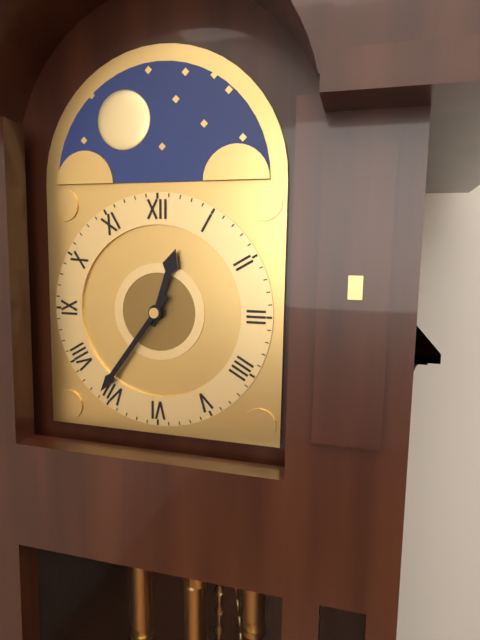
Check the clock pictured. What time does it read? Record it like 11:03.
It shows 12:36
